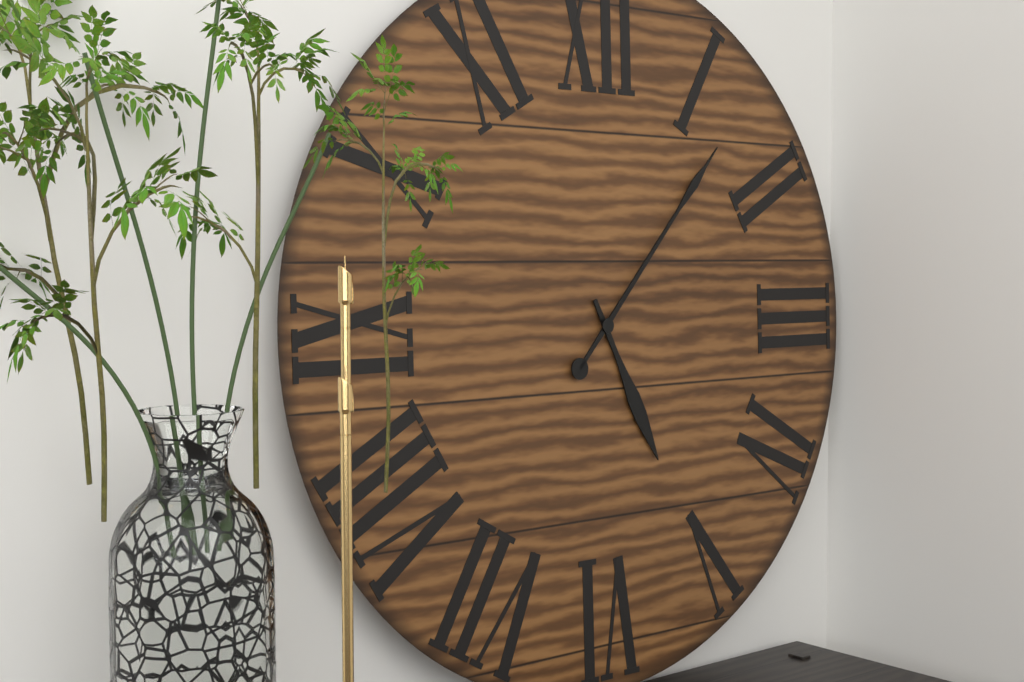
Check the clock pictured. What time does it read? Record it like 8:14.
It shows 5:07
